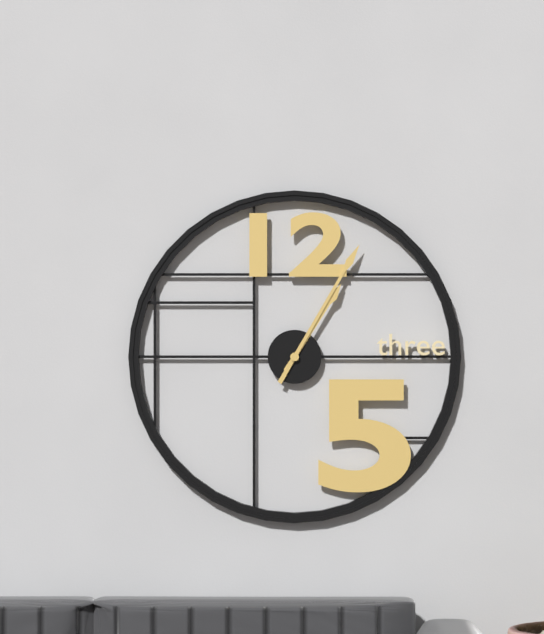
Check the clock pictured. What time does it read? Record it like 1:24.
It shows 1:05
